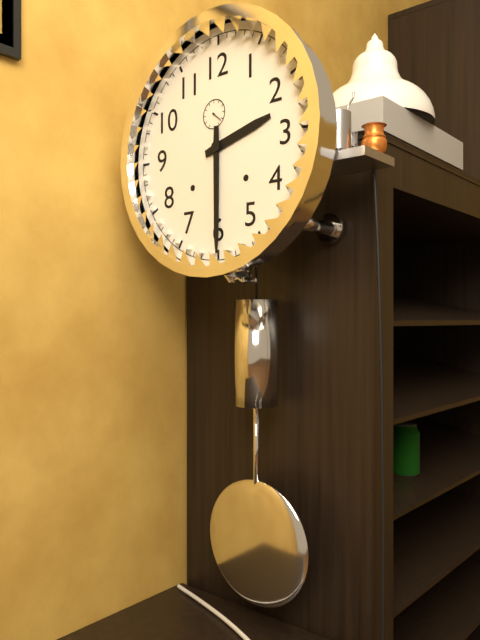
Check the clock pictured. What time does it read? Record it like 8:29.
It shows 2:30
